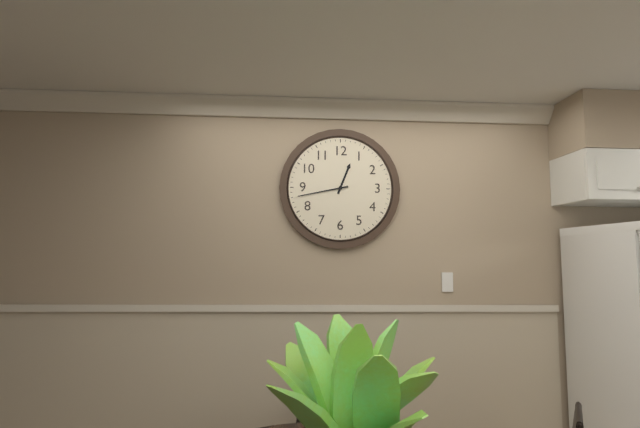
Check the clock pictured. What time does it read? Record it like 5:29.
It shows 12:43
